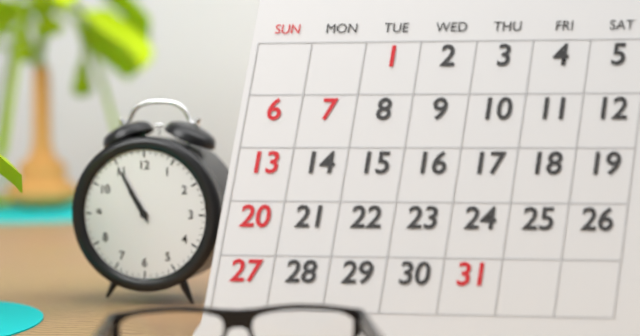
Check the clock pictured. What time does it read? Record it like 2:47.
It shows 10:55
